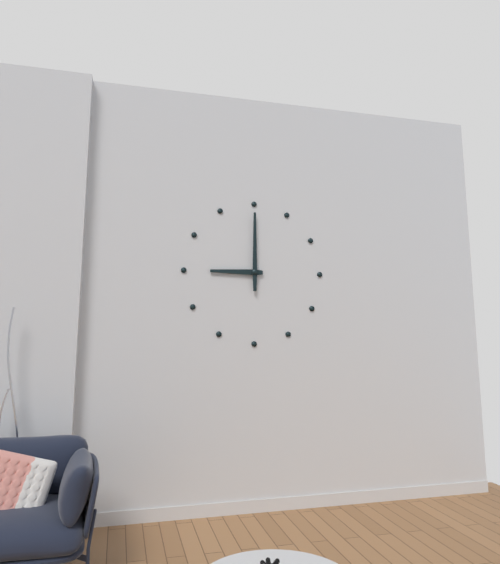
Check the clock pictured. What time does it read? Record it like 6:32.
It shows 9:00
